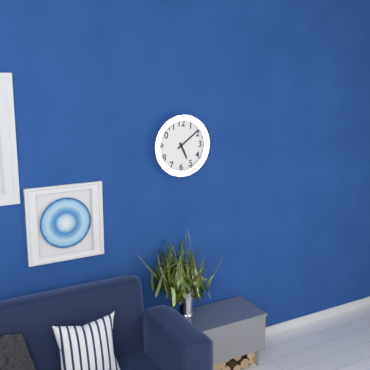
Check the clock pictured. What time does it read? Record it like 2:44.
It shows 5:09
